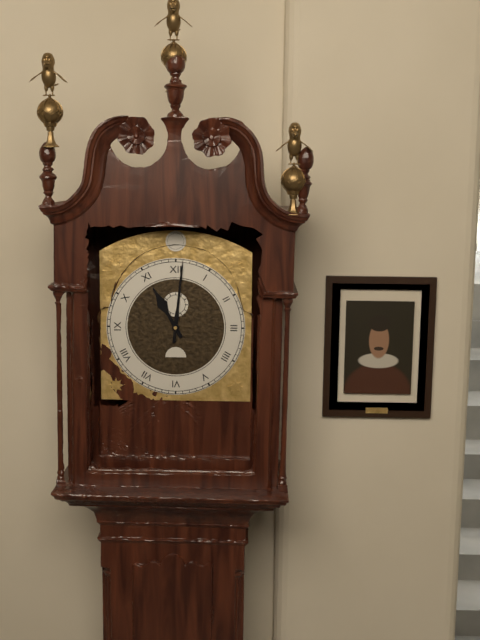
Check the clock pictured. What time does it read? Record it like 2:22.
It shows 11:01
